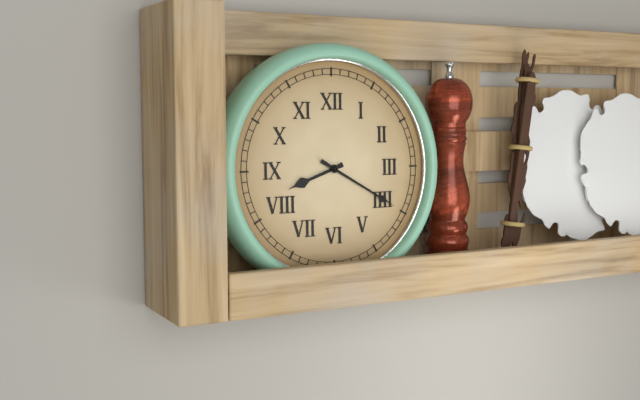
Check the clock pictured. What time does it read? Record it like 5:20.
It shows 8:20
